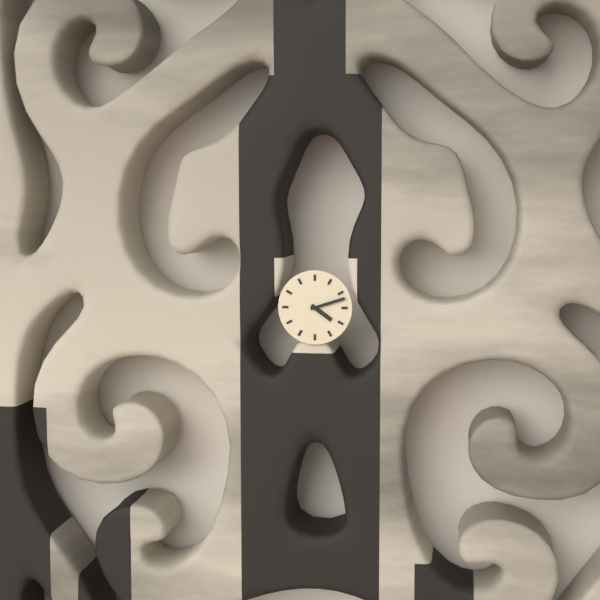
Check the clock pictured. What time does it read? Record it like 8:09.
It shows 4:12
